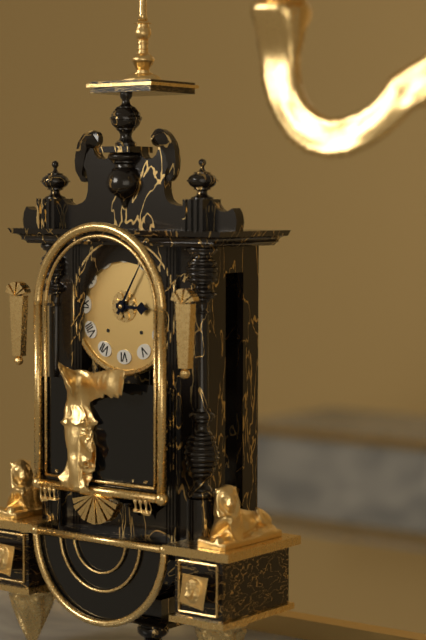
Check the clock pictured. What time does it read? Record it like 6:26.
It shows 3:05
